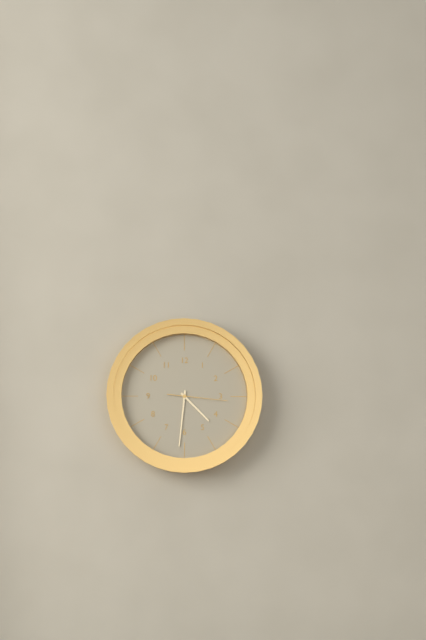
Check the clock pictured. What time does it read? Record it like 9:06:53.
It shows 4:31:16
